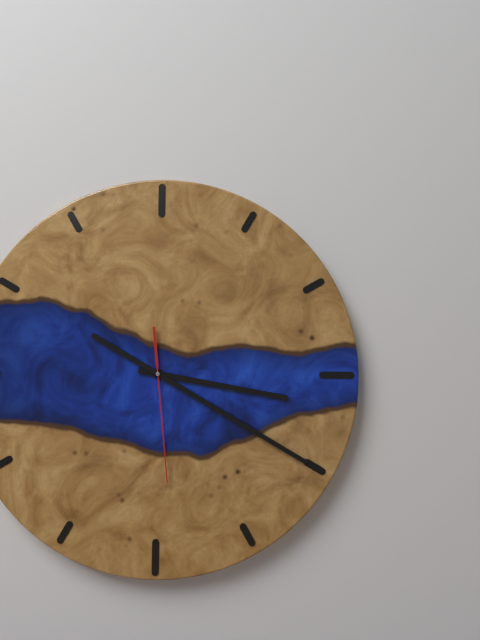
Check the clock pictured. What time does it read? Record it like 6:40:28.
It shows 3:20:29
